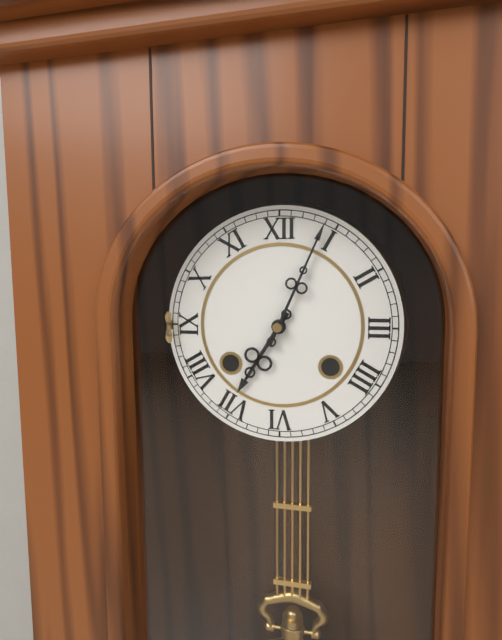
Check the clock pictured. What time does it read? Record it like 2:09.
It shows 7:04
